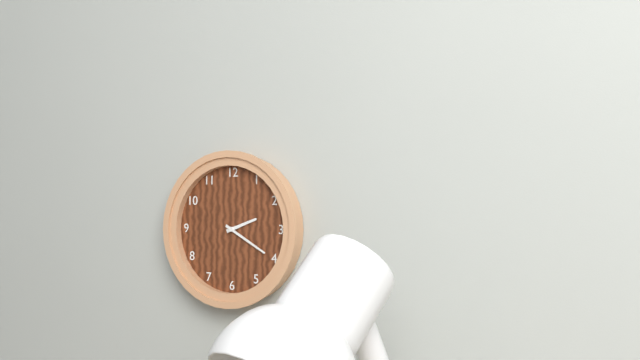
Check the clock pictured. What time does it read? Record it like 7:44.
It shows 2:20
